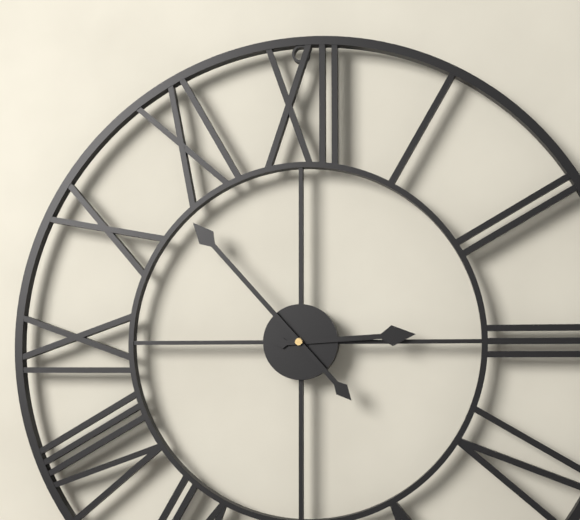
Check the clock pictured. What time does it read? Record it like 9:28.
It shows 2:53
